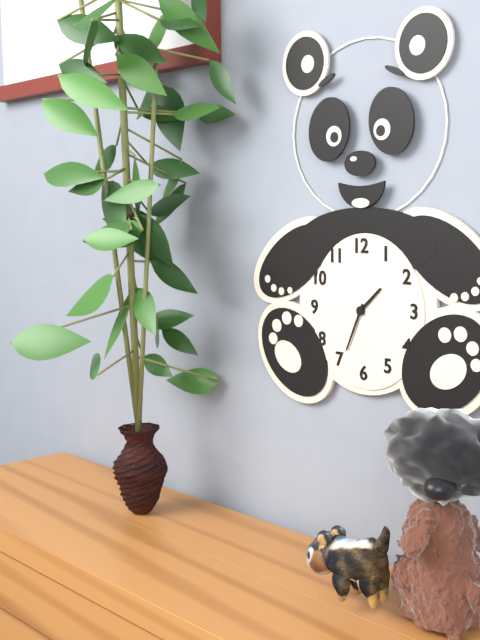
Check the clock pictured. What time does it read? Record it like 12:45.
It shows 1:34
